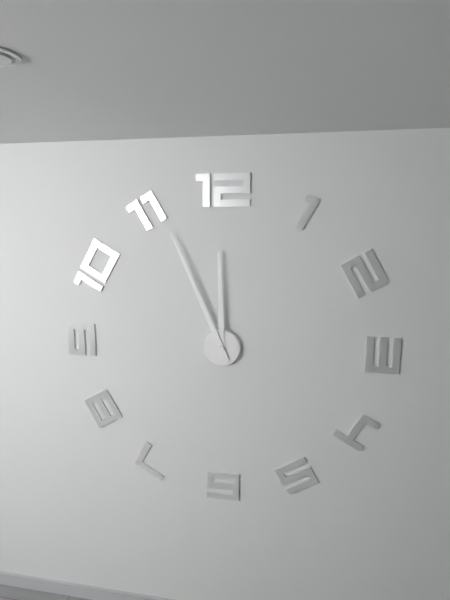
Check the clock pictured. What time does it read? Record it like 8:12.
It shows 11:56
